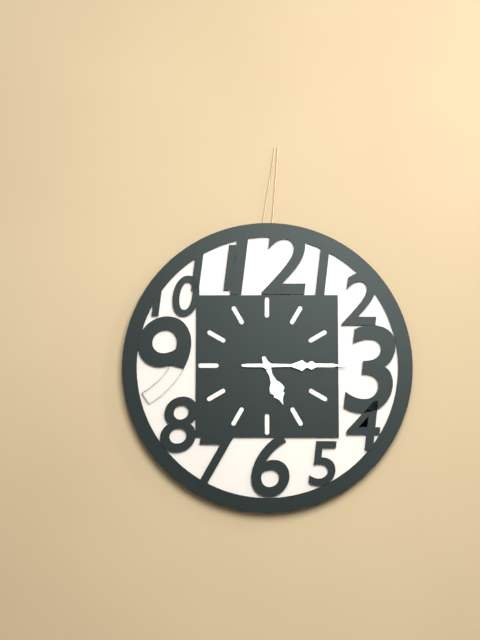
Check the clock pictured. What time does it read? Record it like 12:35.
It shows 5:15
